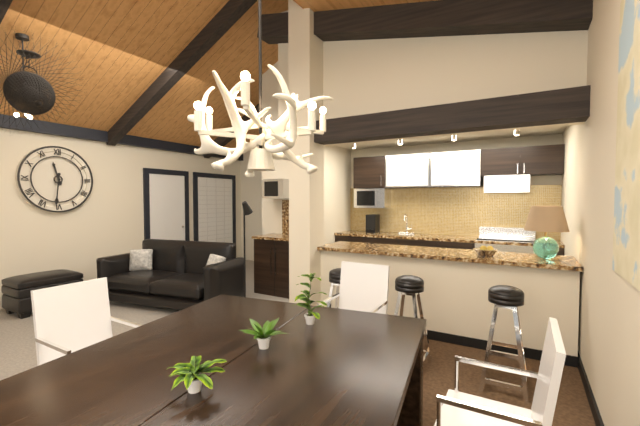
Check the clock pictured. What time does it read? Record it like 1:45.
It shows 11:31
